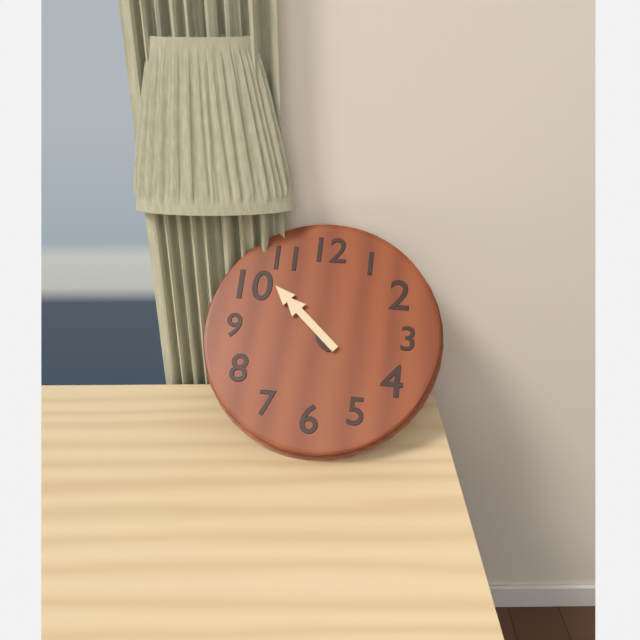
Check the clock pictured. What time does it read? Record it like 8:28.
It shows 4:52
